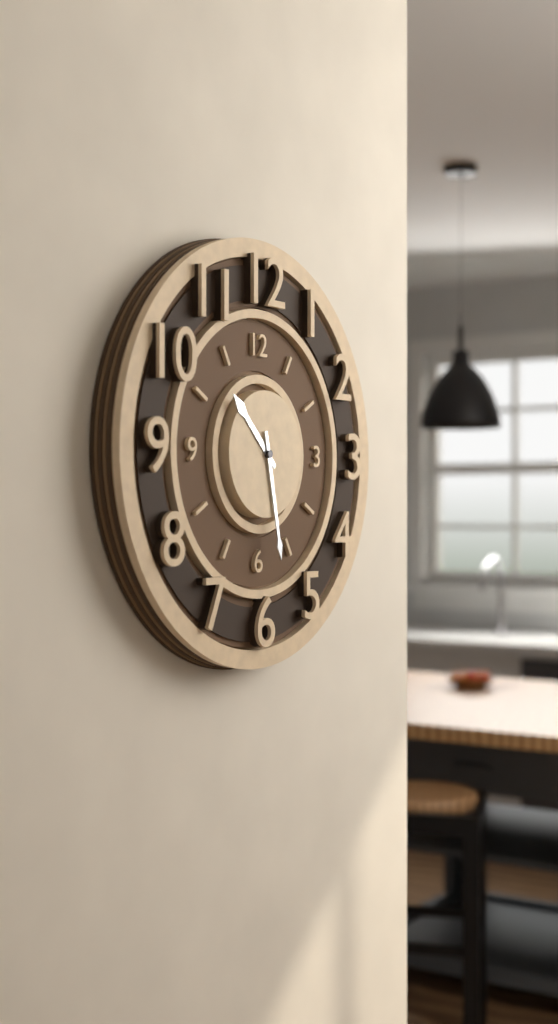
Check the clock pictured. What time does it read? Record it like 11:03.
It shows 10:28
